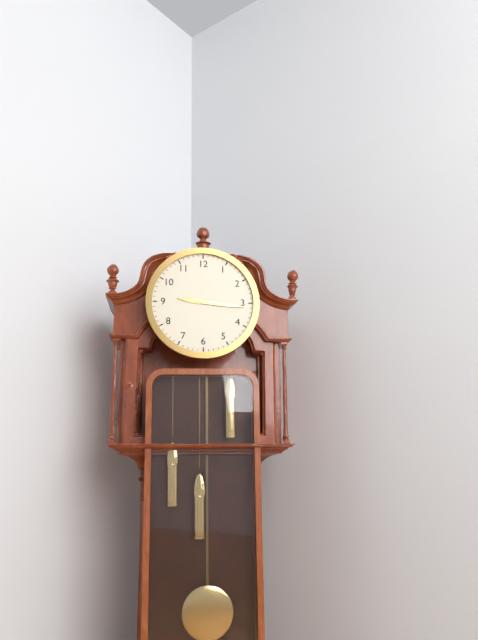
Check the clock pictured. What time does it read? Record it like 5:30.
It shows 9:16
